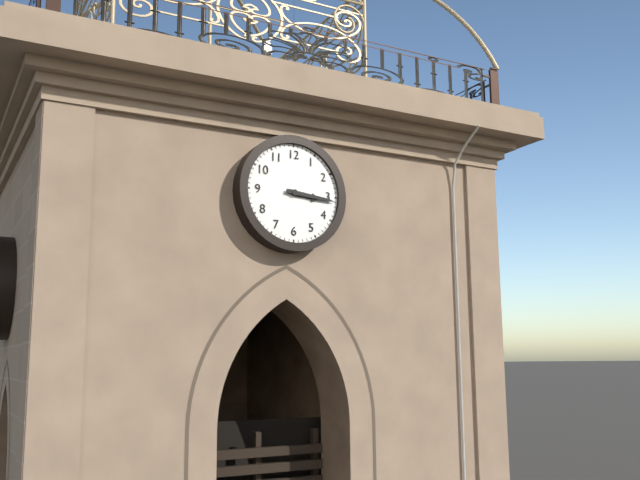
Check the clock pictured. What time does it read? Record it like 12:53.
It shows 3:16
